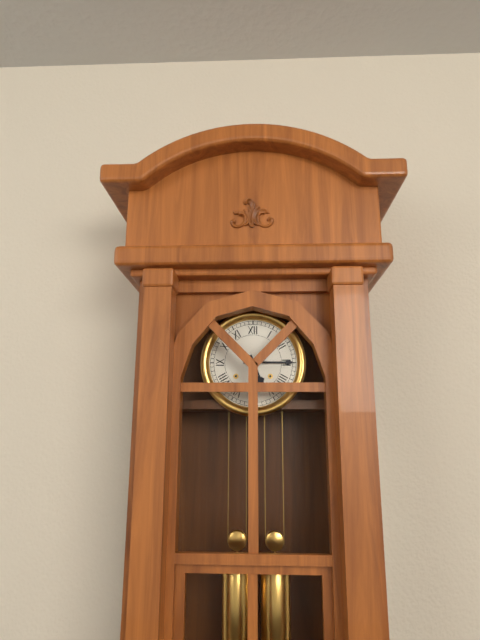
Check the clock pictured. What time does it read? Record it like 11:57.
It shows 5:15
